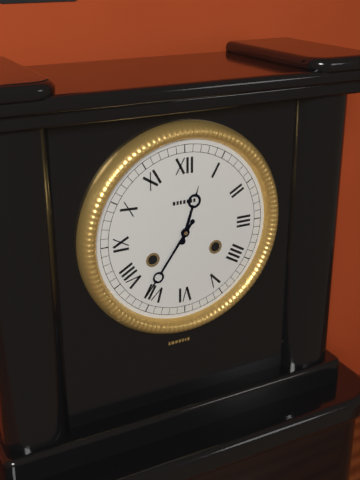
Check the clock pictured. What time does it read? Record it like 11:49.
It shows 12:36
